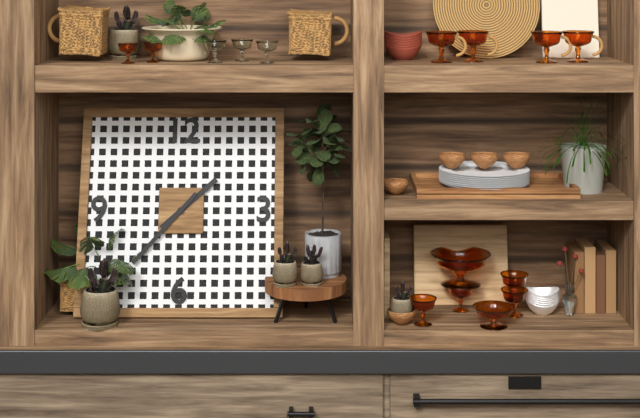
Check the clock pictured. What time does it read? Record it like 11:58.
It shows 1:37
